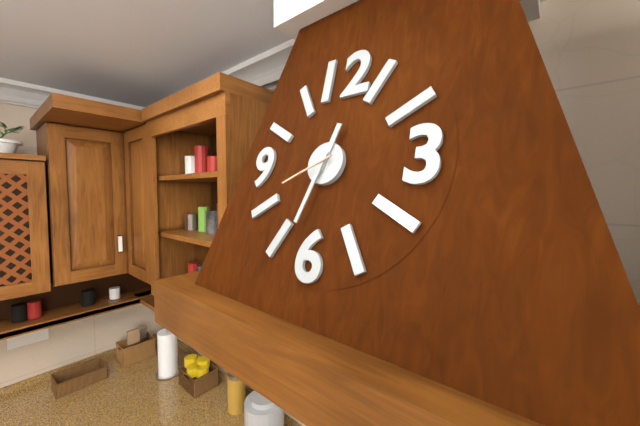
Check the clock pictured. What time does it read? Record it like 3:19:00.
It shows 12:33:41
